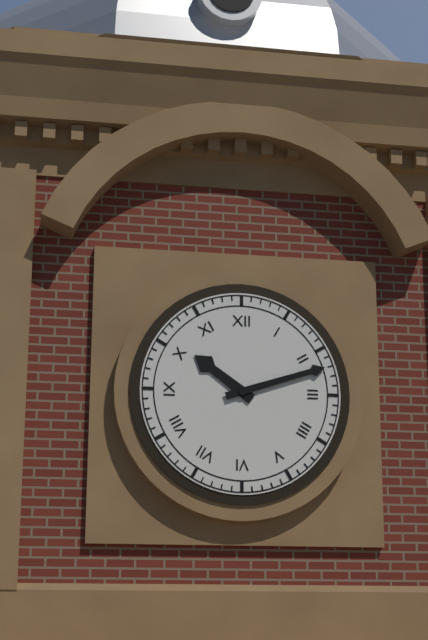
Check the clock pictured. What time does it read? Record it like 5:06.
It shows 10:12
